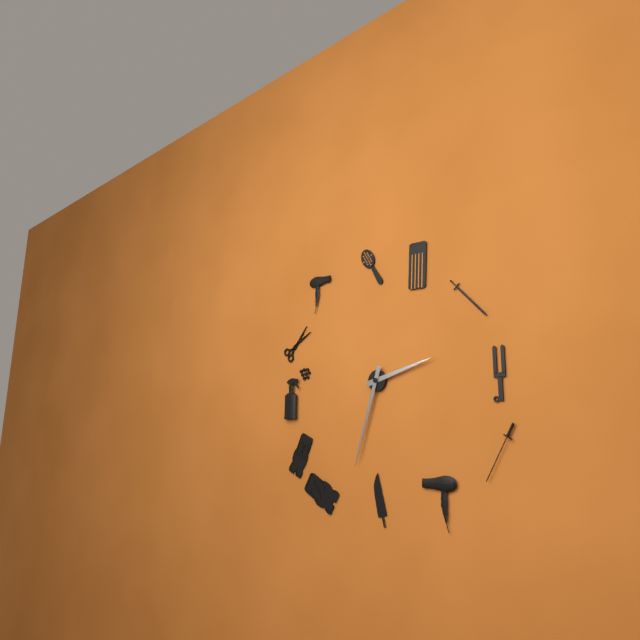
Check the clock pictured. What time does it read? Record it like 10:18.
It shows 2:33
